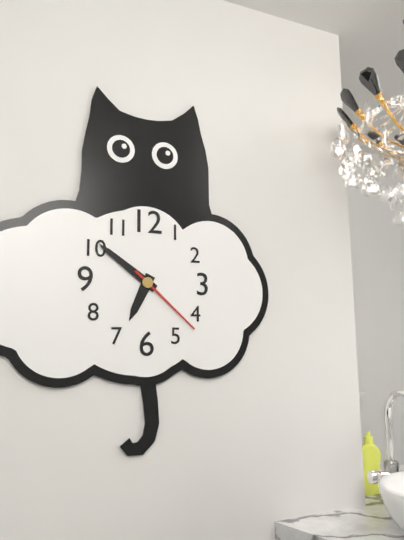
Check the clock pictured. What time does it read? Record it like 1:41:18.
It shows 6:51:22
